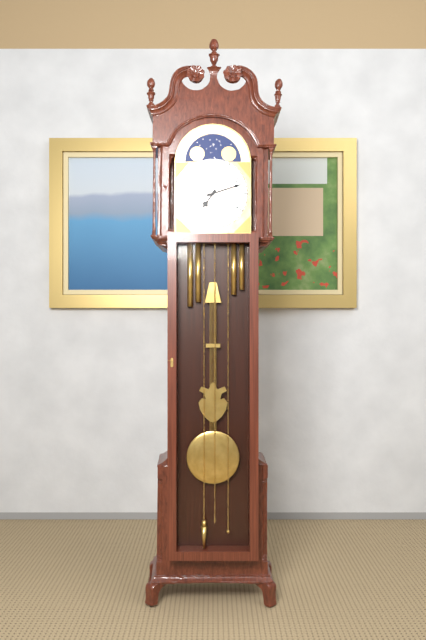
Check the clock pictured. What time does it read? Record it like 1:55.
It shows 7:12
